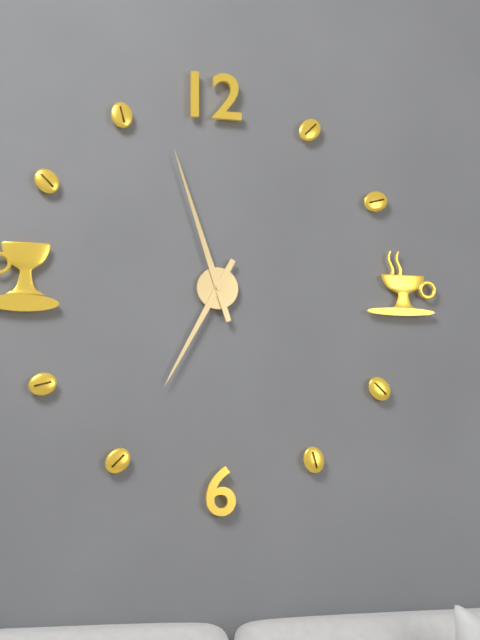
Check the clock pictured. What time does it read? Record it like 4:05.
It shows 6:57
